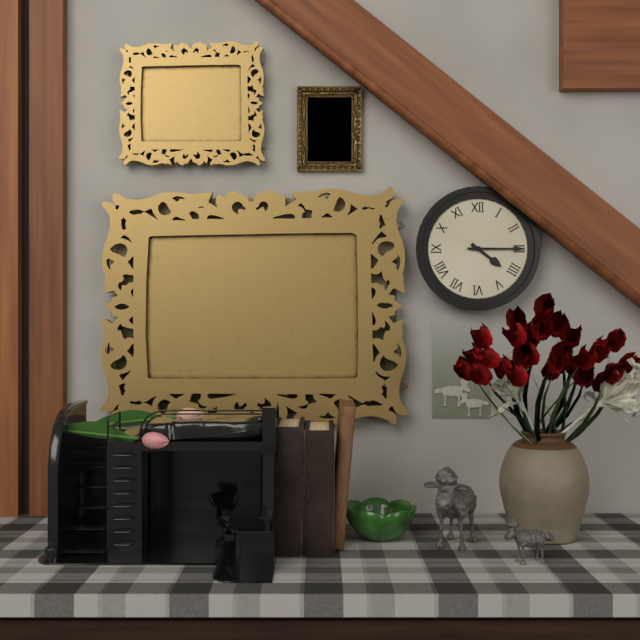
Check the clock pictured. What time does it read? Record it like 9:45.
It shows 4:15
